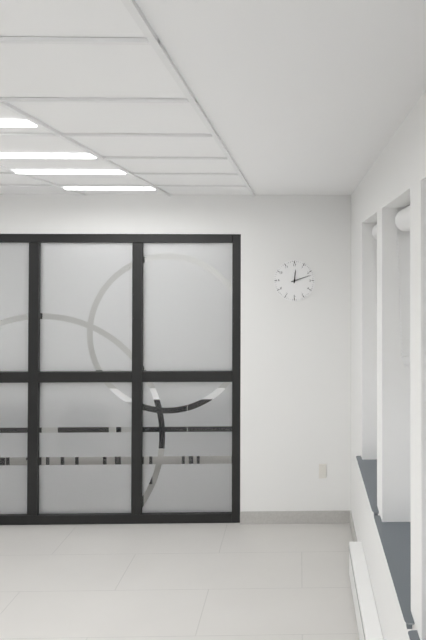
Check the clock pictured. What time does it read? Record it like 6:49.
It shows 12:12
